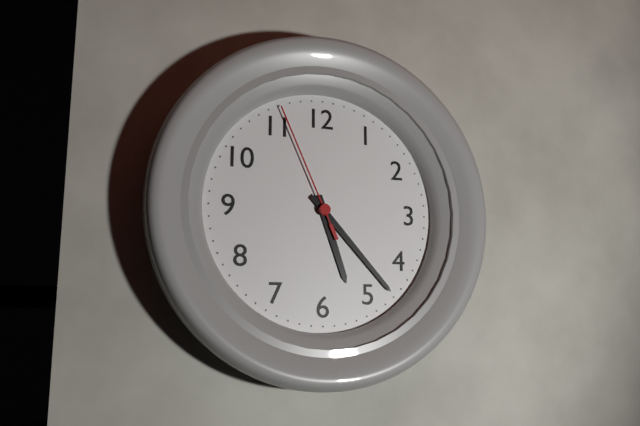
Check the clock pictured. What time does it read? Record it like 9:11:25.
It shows 5:23:56
